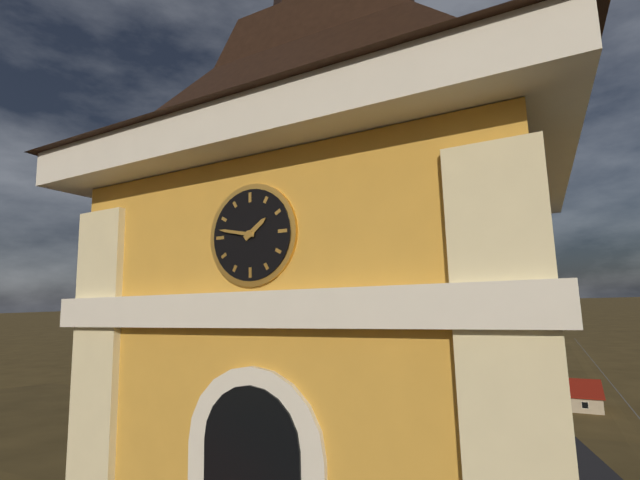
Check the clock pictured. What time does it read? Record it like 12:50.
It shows 1:47
